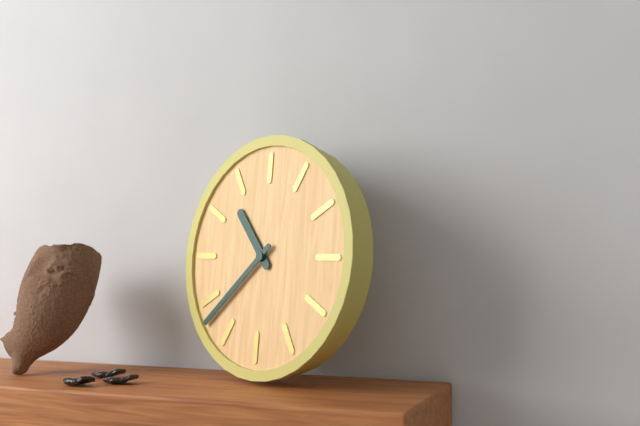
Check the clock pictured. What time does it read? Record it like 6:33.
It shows 10:38
